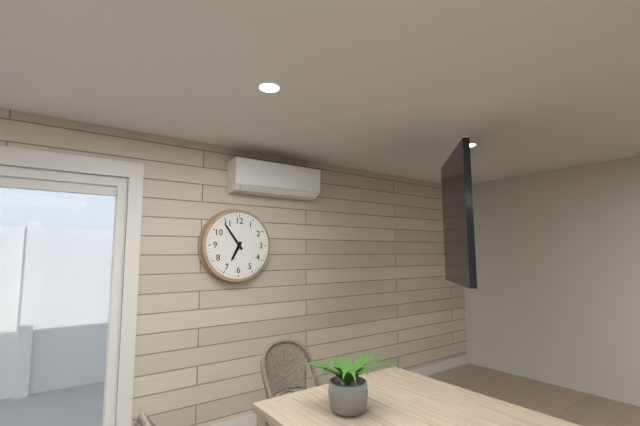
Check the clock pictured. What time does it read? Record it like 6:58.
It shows 6:54
